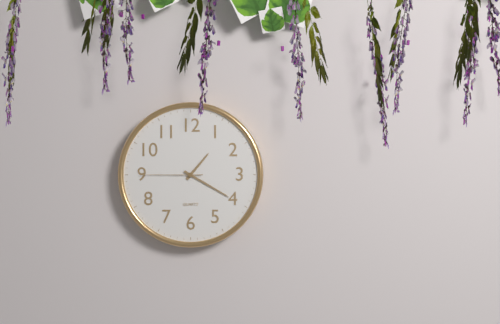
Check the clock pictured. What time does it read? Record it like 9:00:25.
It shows 1:20:45
